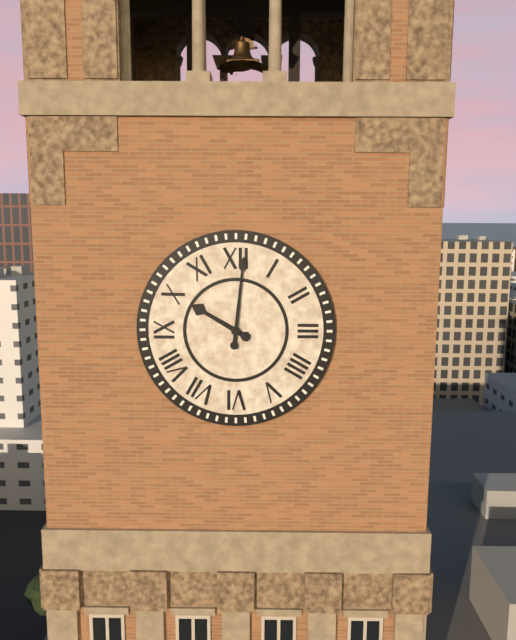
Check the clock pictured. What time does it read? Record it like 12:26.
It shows 10:01
